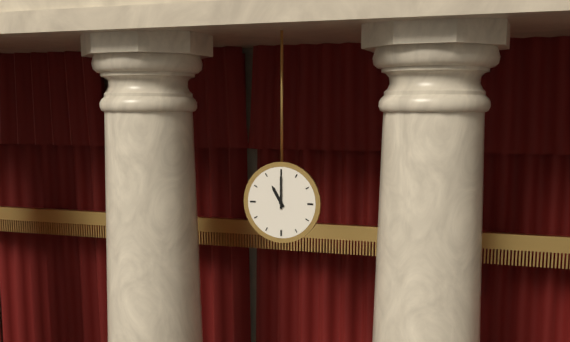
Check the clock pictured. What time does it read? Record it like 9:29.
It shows 11:00
